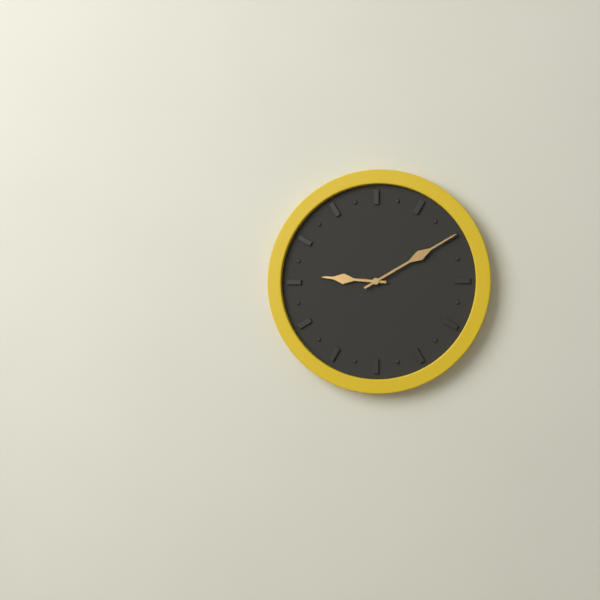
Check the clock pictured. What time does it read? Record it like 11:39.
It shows 9:10
